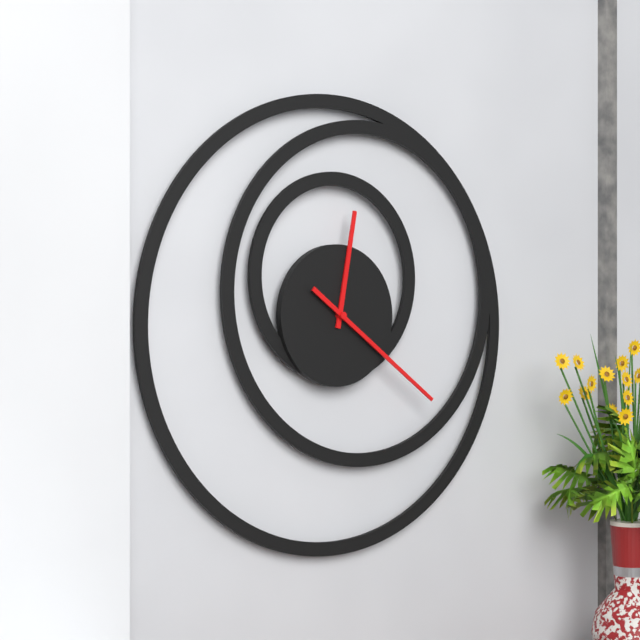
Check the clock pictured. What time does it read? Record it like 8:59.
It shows 12:21
